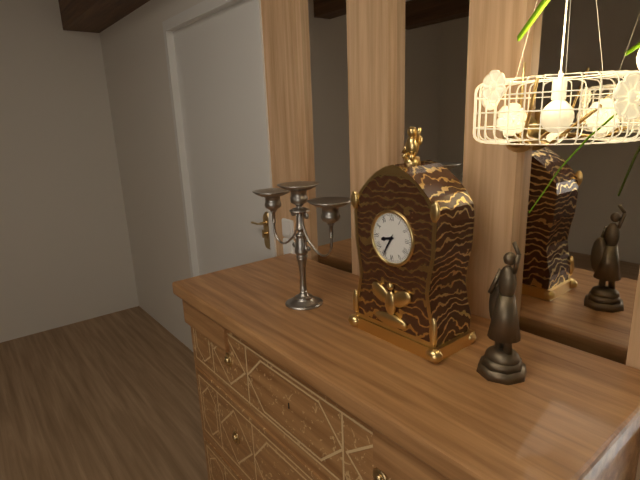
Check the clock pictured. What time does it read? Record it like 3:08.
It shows 8:35
